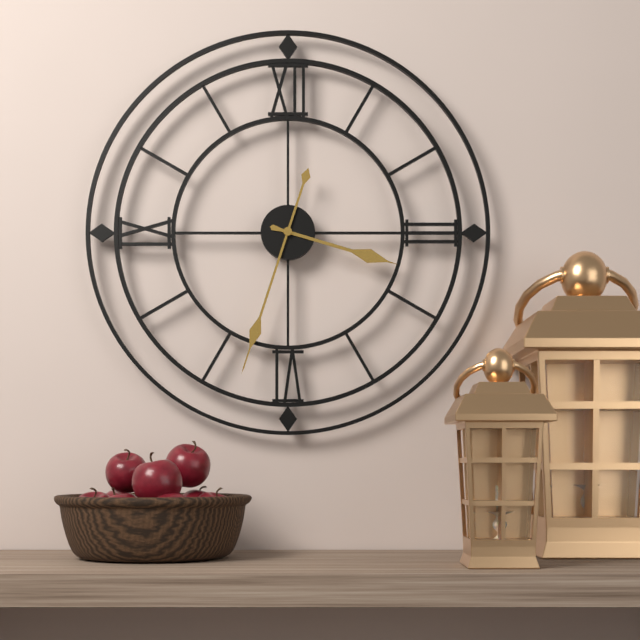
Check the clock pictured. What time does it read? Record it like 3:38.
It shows 3:33
